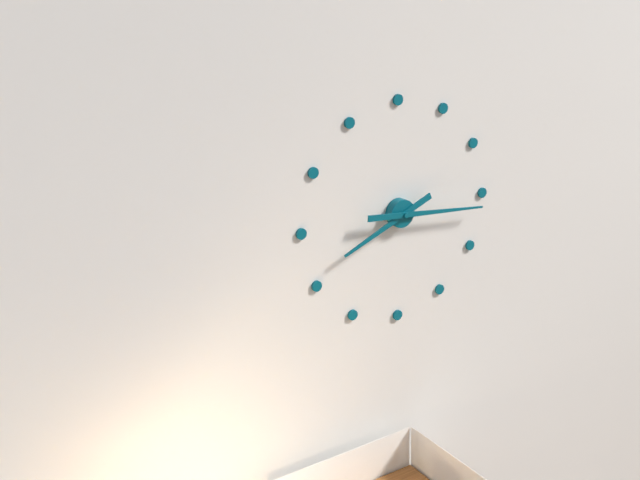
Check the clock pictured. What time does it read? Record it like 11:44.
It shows 8:16
